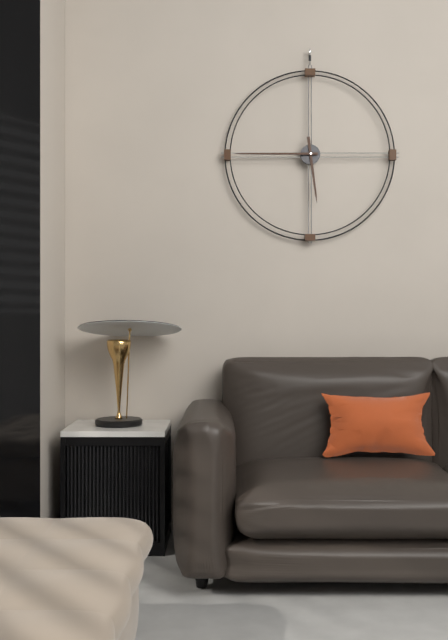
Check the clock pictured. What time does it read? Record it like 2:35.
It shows 5:45
